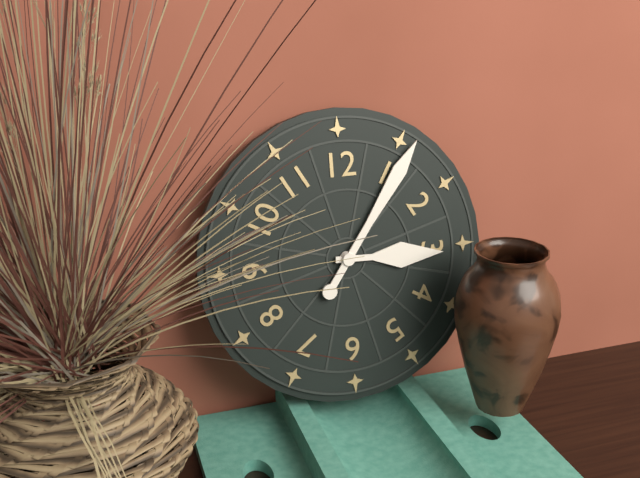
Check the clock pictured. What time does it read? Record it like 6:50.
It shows 3:06
